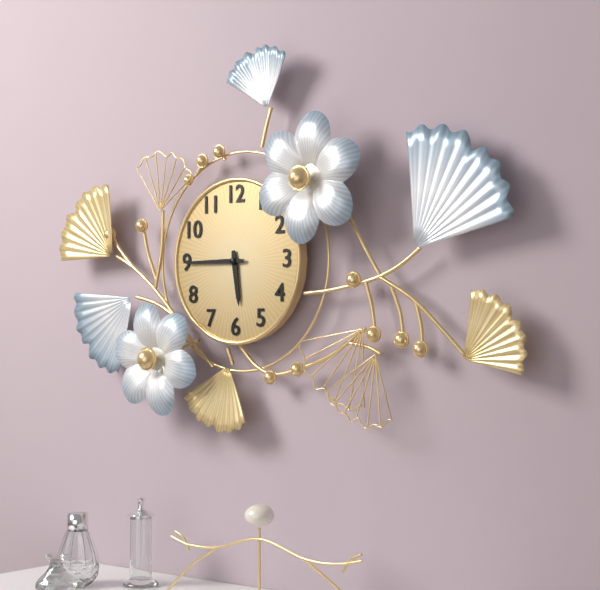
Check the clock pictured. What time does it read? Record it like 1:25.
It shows 5:45
